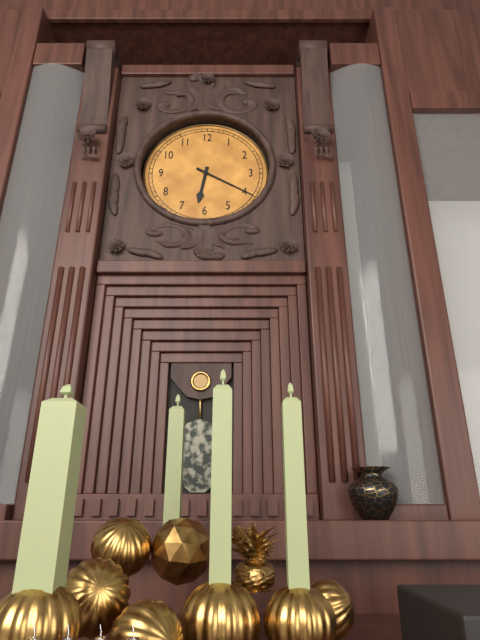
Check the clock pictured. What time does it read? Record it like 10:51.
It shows 6:20
